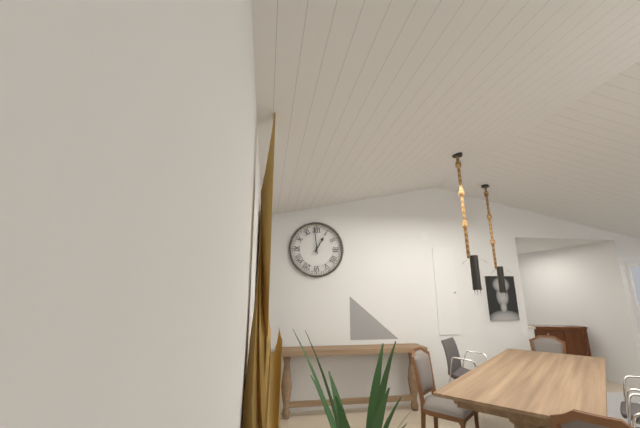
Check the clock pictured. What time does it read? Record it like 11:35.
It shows 12:59
